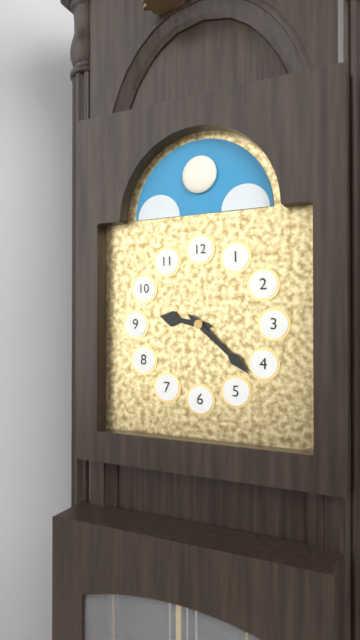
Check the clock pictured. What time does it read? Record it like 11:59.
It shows 9:22
